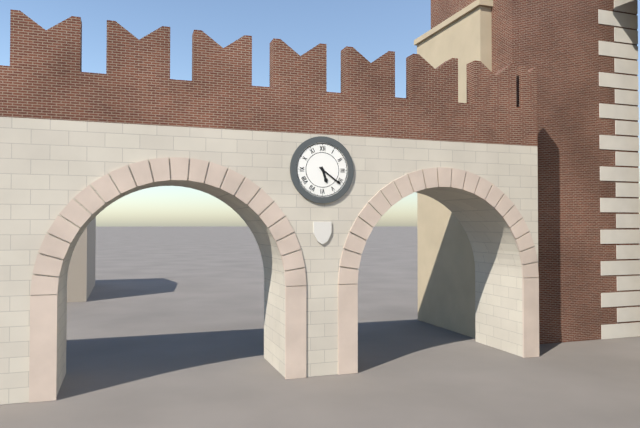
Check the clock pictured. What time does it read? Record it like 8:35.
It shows 5:21
